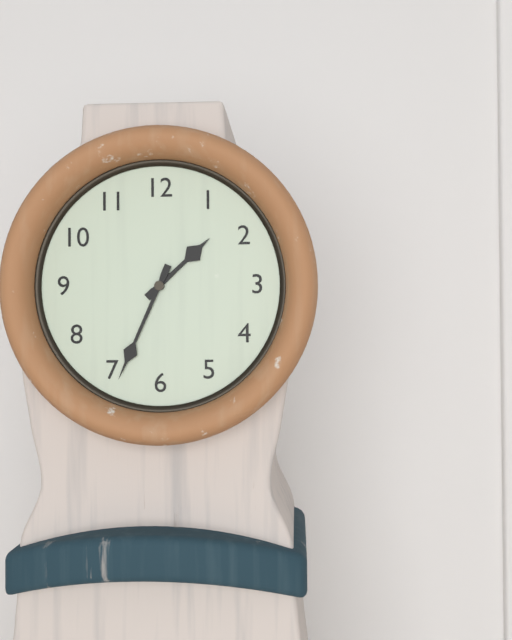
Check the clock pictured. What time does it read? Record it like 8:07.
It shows 1:34
